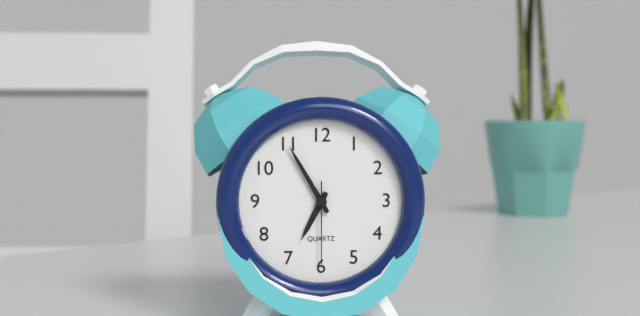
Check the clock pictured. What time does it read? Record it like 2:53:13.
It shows 6:55:30
